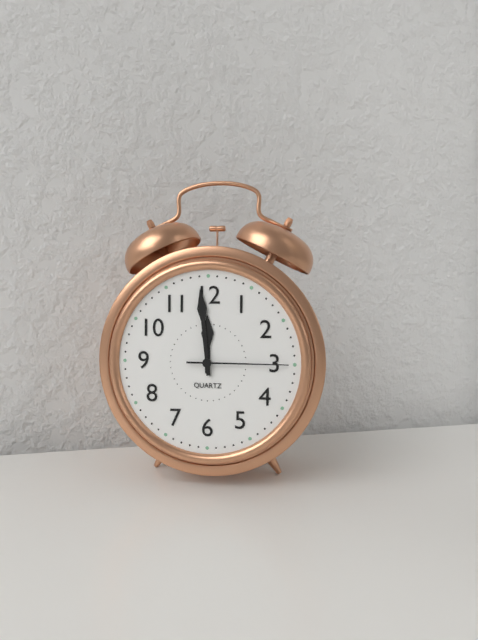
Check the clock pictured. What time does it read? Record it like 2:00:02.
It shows 11:59:15
